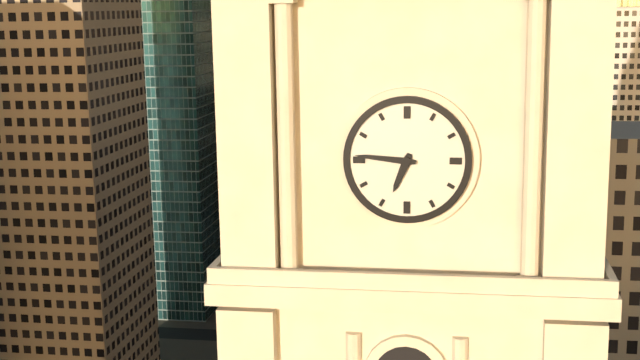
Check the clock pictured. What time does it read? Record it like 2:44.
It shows 6:46
